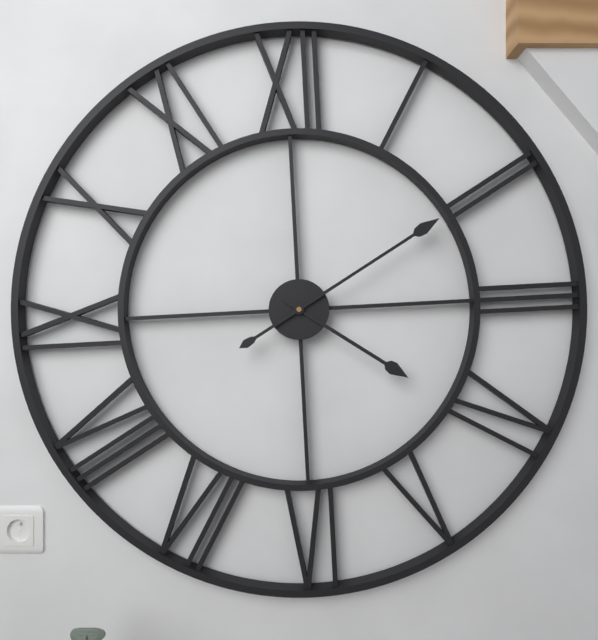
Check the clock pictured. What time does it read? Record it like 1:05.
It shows 4:10
